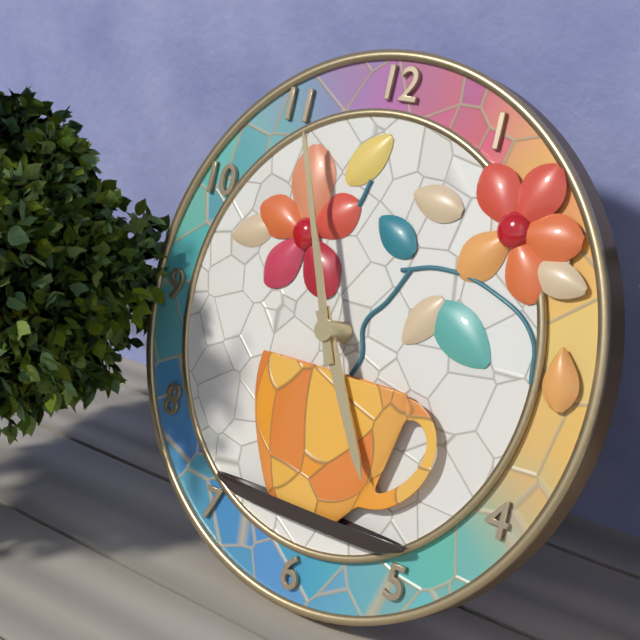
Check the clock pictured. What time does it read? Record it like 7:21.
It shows 4:56
